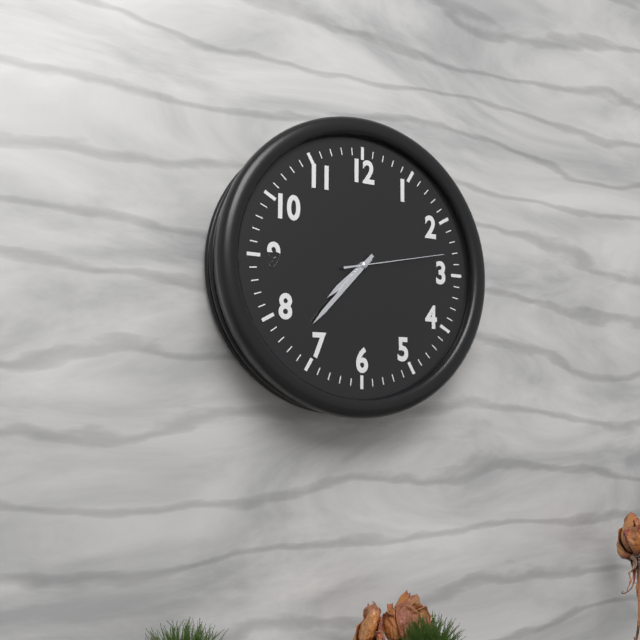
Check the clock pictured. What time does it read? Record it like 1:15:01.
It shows 7:37:13
